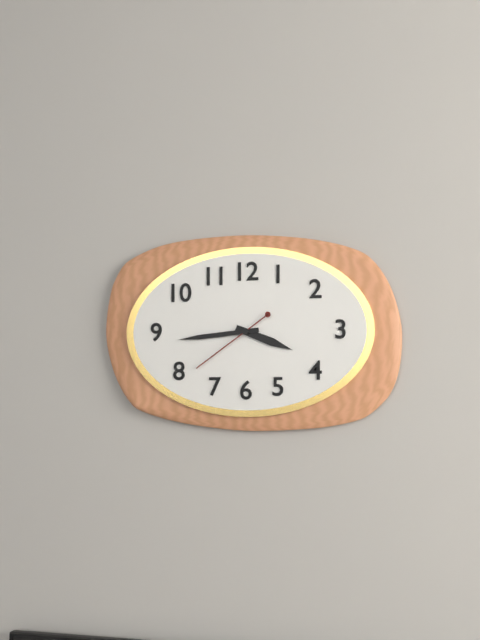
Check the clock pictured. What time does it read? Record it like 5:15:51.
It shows 3:44:39
